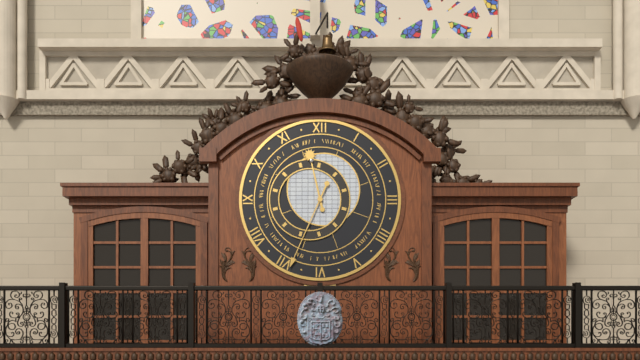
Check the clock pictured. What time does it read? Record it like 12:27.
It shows 11:34
